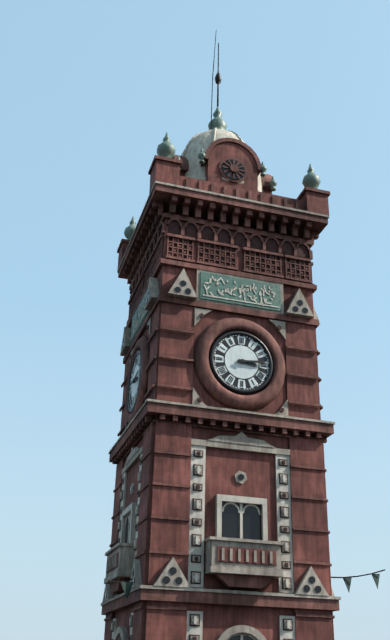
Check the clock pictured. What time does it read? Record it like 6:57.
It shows 3:14
